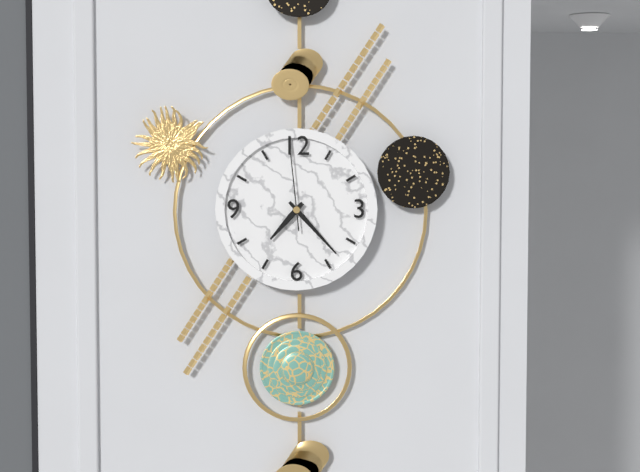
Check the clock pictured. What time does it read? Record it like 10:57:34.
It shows 7:23:59
